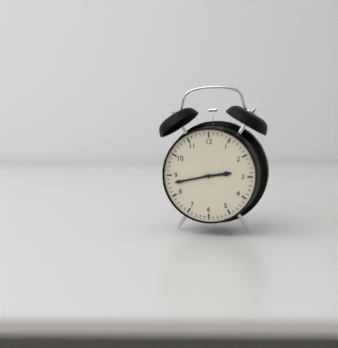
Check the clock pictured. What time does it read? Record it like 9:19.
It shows 2:43
